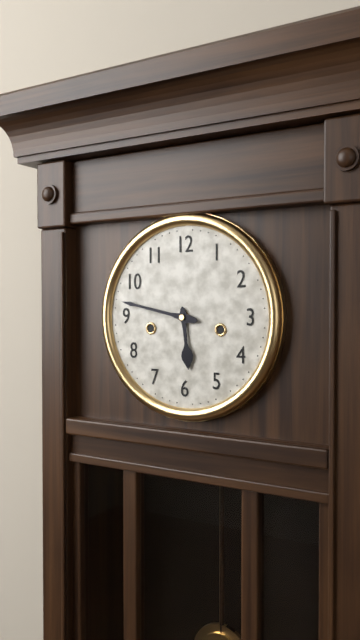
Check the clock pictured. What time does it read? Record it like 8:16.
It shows 5:47
